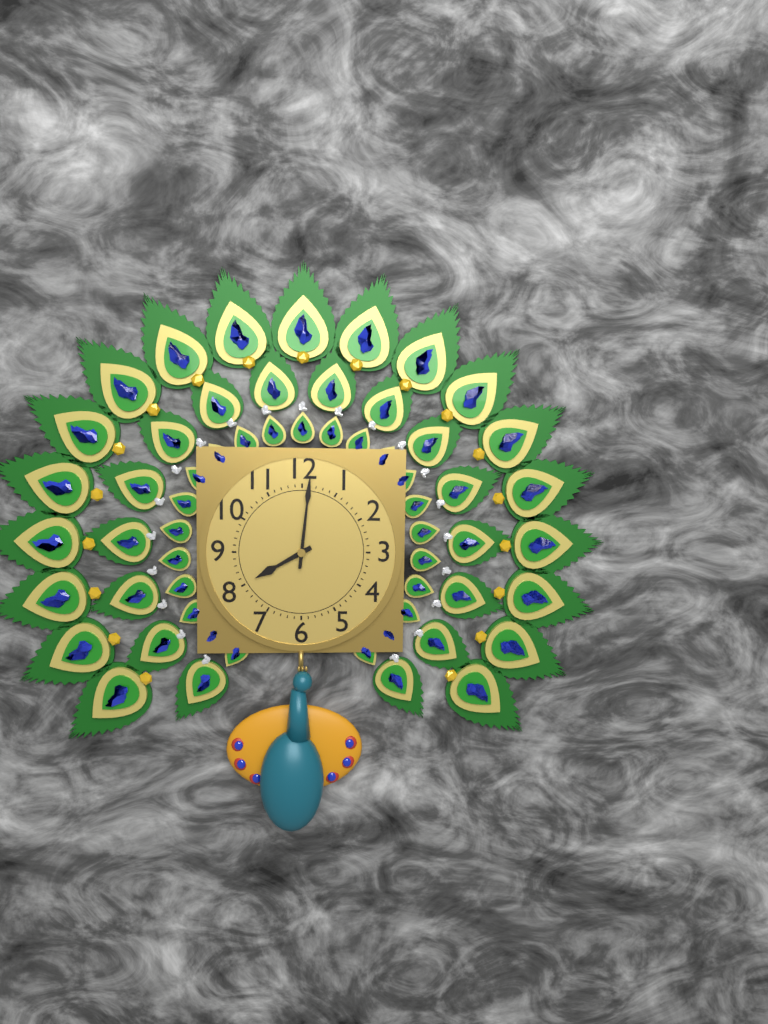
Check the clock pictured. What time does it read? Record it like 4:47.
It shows 8:01
